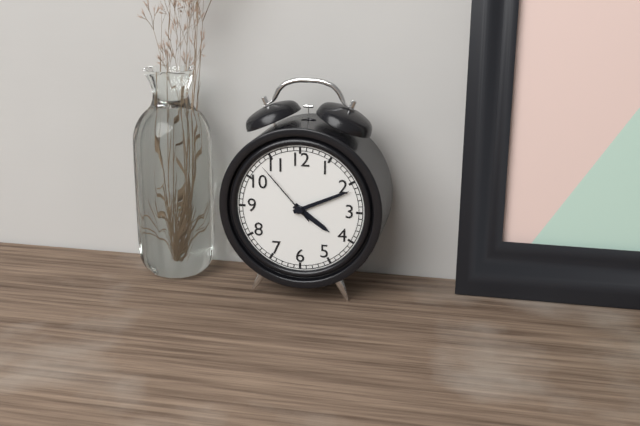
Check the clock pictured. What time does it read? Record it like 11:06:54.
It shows 4:11:53
